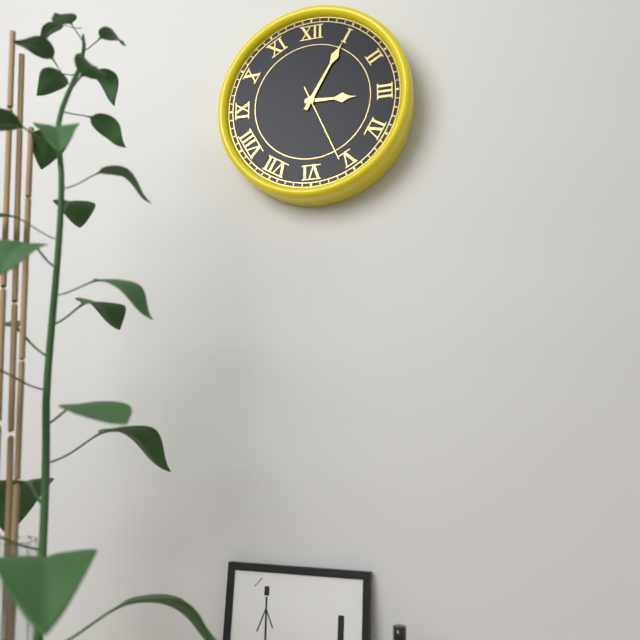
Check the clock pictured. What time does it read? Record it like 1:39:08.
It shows 3:05:26
